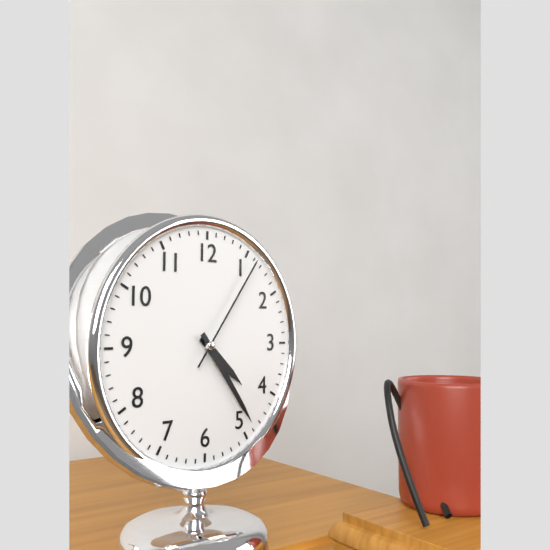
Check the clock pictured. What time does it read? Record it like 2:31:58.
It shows 4:24:06
